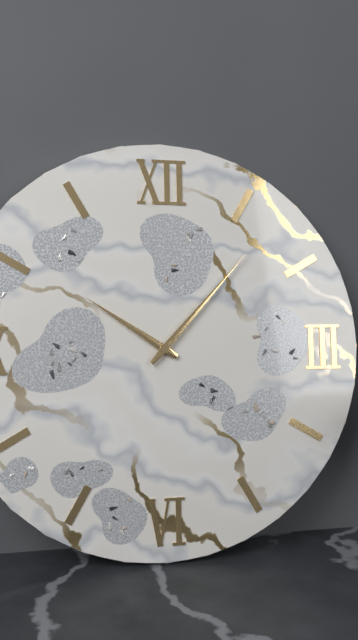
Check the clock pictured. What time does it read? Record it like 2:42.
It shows 10:07
